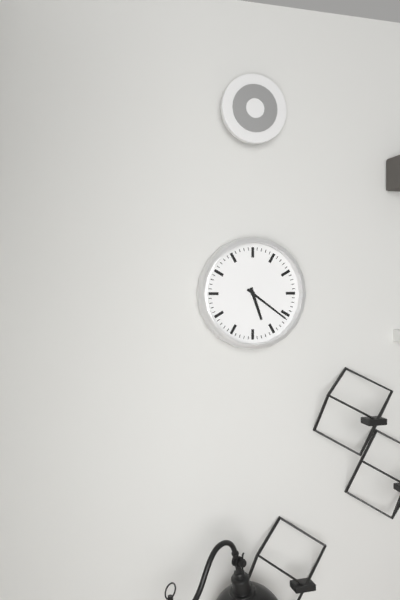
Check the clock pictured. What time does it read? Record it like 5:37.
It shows 5:21
